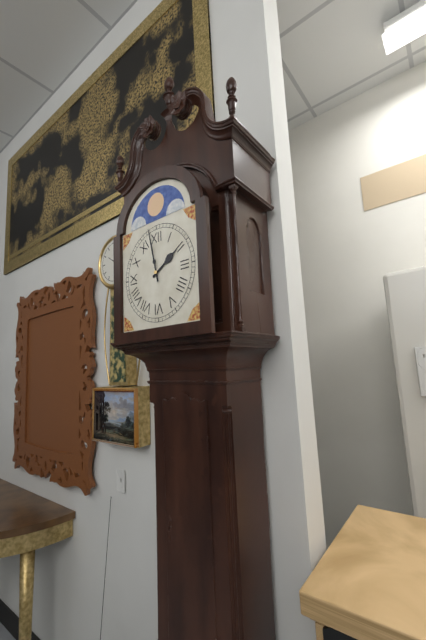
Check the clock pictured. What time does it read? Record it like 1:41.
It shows 1:58
